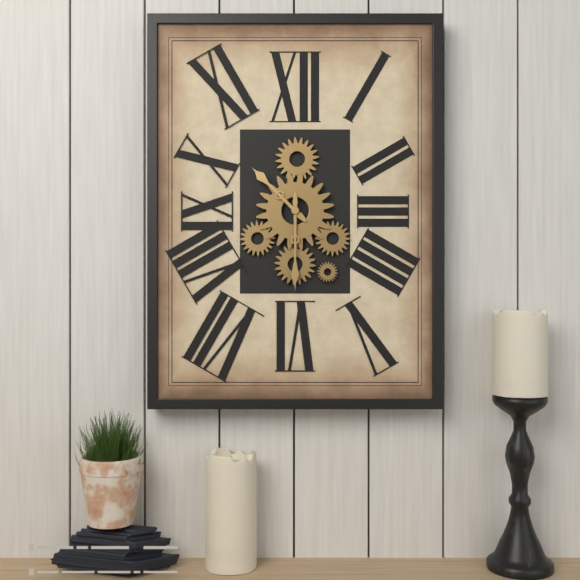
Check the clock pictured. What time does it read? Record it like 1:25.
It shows 10:30
